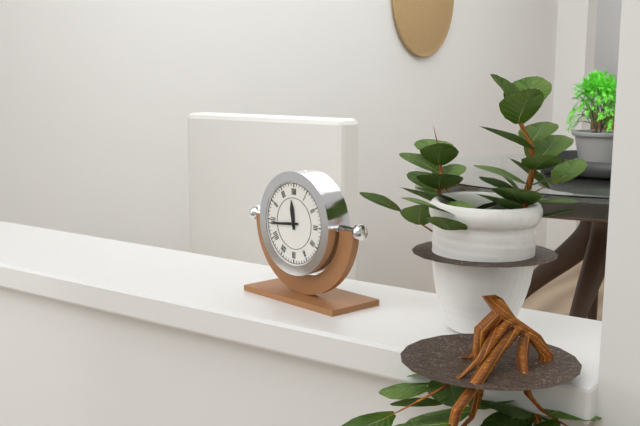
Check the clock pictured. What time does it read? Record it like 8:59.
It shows 11:44
